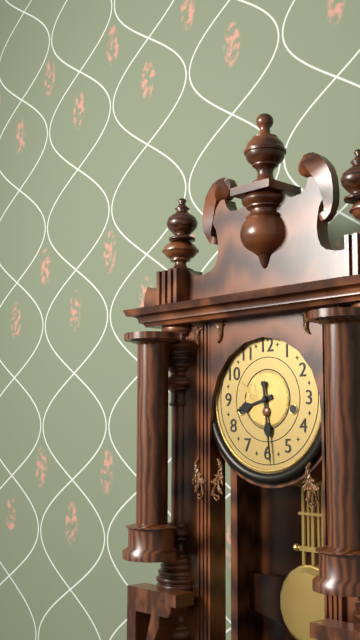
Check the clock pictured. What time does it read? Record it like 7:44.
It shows 8:29
